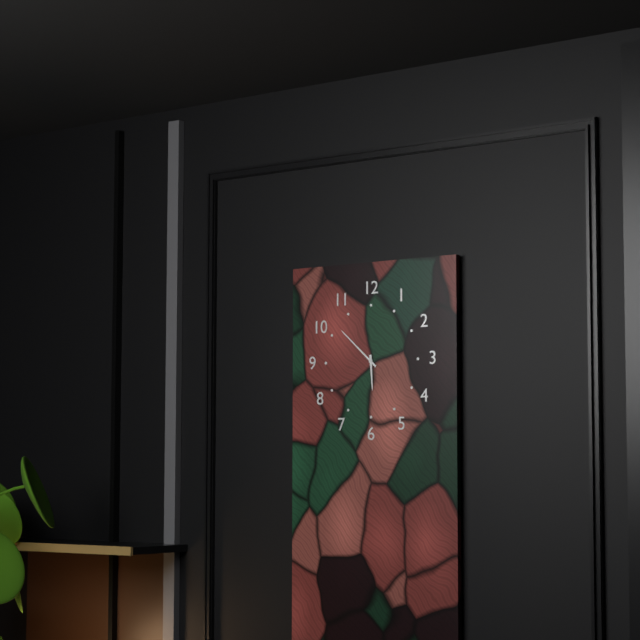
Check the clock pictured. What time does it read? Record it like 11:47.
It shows 5:52
